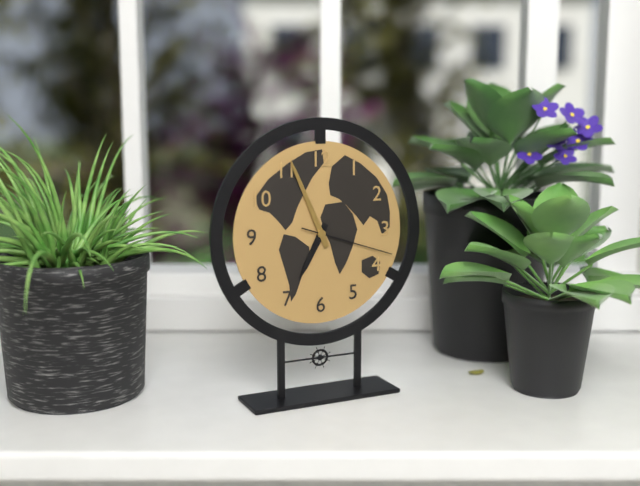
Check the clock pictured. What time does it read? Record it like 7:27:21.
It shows 6:56:18
